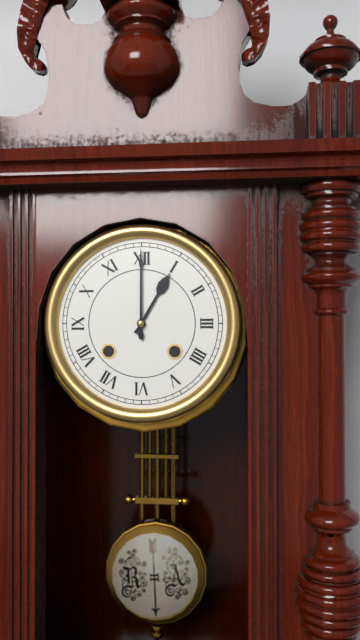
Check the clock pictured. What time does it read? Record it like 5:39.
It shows 1:00
